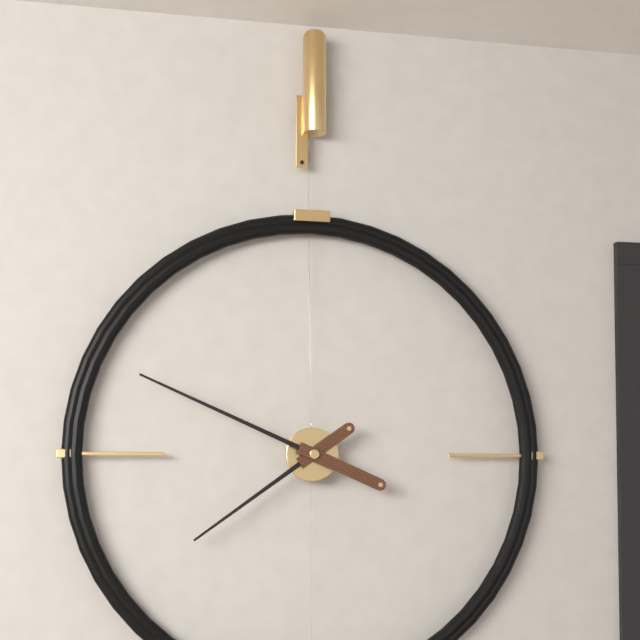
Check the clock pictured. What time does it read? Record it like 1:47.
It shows 7:49
